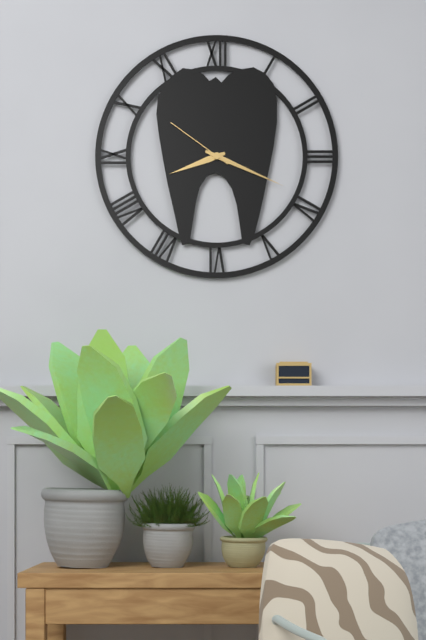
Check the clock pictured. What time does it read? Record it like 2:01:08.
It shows 8:19:51
